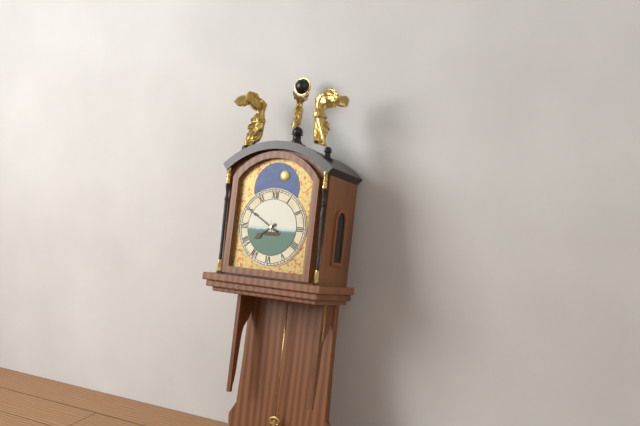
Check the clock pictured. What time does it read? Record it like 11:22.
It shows 7:50
